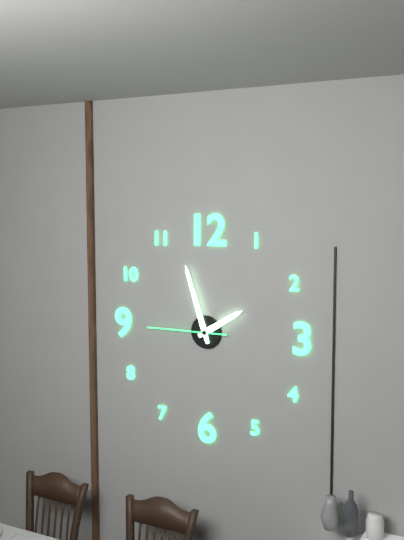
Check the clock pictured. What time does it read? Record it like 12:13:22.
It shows 1:57:45
